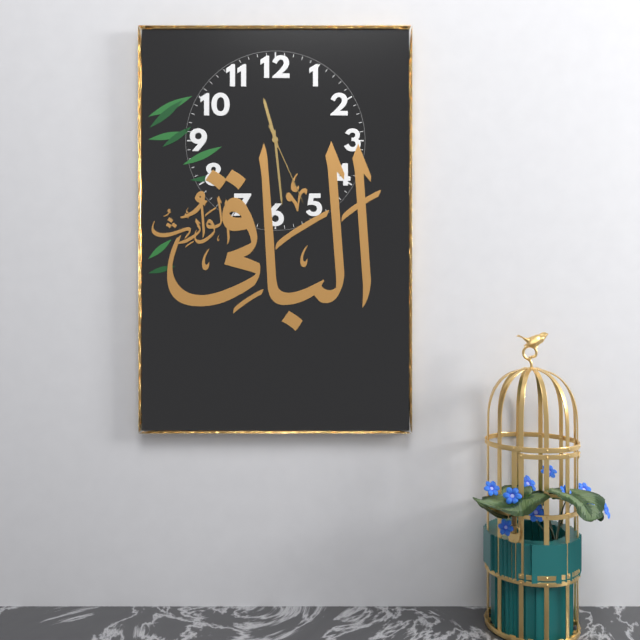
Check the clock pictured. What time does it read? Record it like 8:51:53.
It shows 11:29:26
